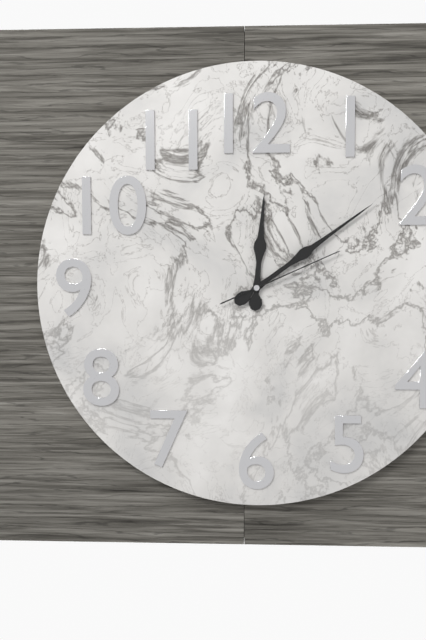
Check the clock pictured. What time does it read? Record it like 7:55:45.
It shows 12:09:11
